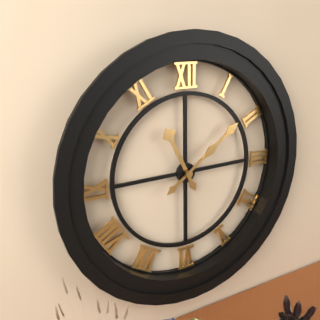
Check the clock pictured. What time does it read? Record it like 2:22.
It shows 11:09
